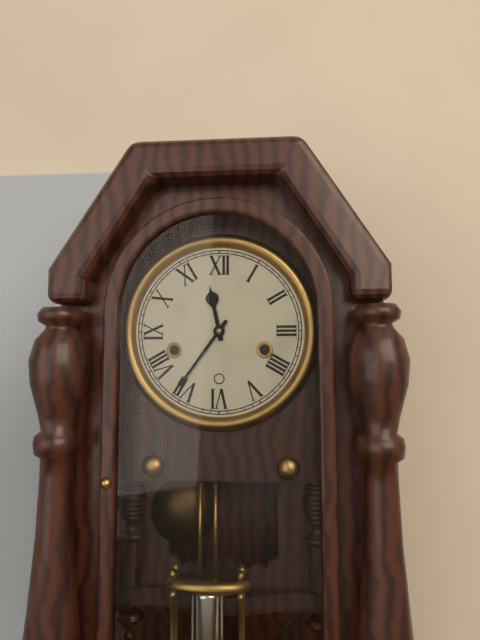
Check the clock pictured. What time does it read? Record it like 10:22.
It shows 11:36
